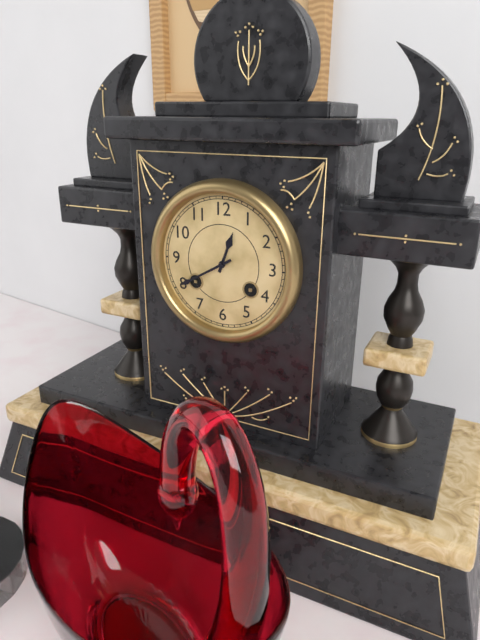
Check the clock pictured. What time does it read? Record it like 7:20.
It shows 12:40
